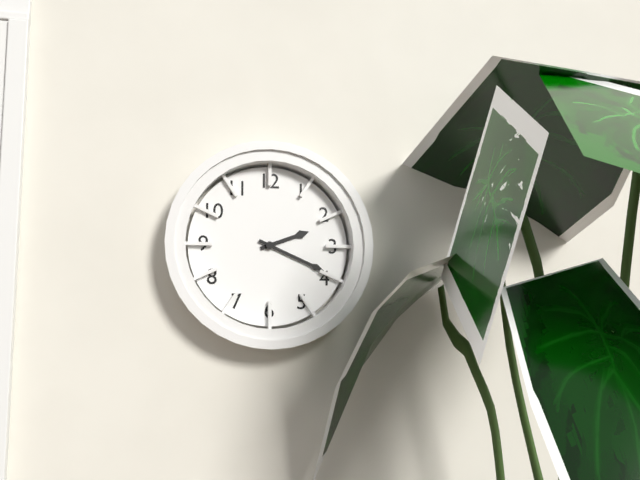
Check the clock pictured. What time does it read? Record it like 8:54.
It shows 2:19
